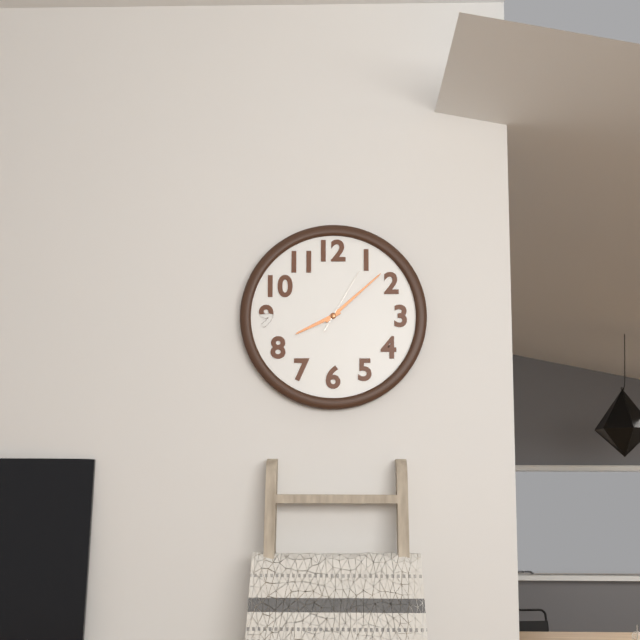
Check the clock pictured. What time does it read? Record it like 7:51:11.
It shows 8:08:05
